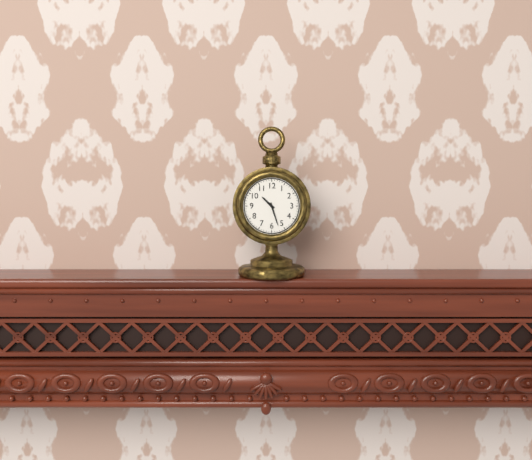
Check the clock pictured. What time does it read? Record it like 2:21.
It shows 10:27
